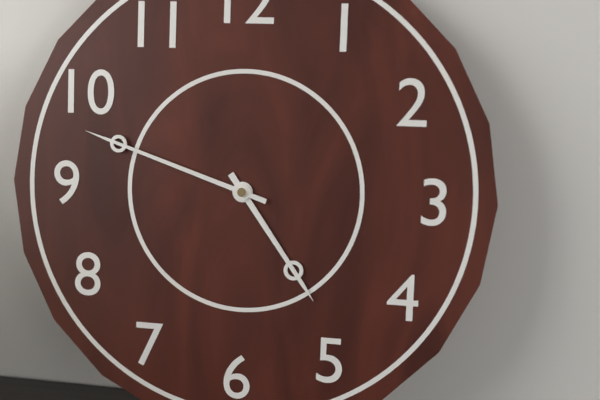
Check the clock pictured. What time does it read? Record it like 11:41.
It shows 4:48
